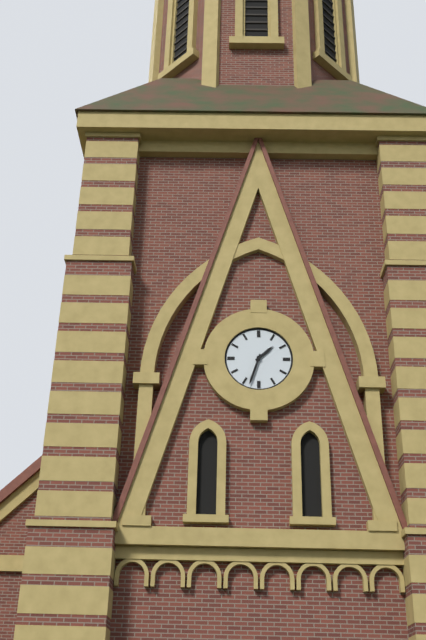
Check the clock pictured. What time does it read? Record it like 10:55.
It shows 1:33
